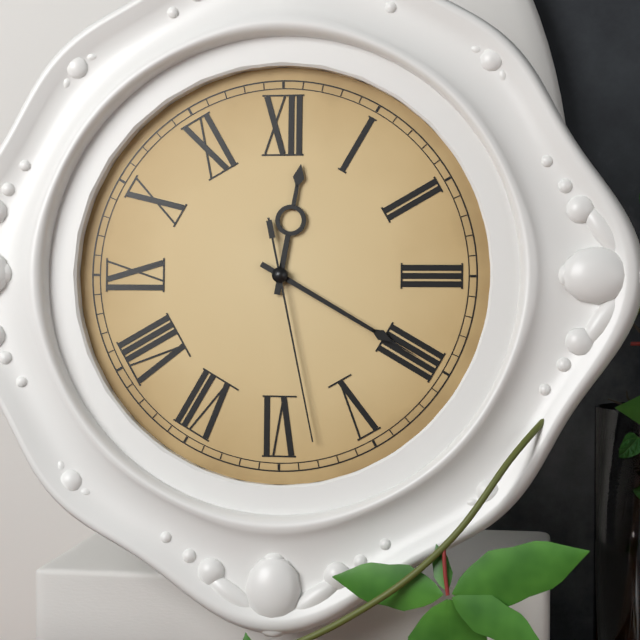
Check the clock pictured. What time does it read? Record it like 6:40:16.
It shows 12:20:28
